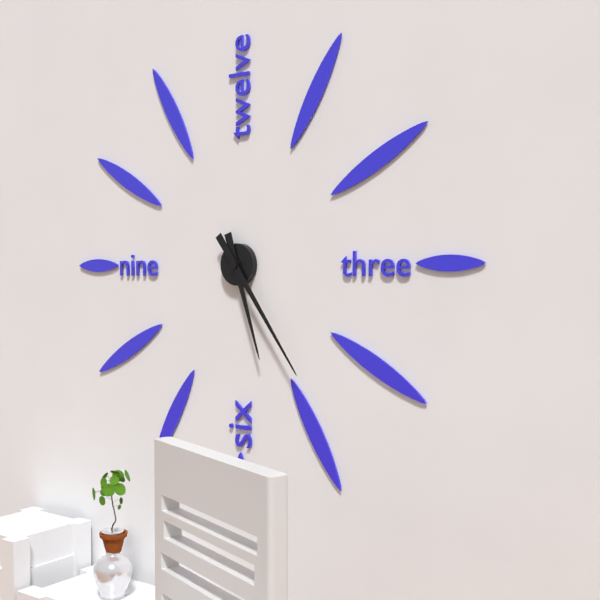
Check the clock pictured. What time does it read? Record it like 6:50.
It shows 5:24
